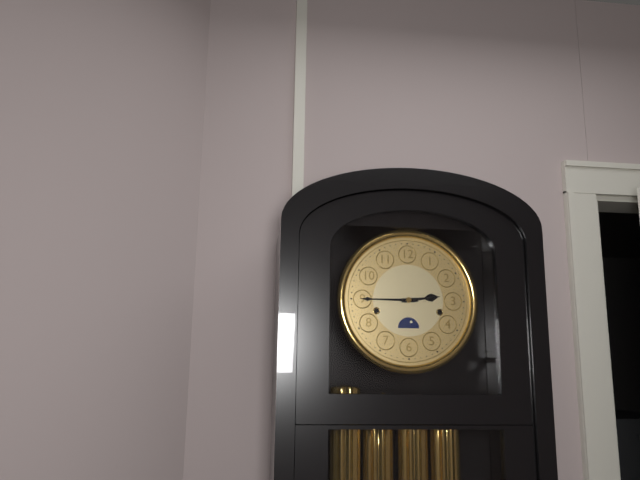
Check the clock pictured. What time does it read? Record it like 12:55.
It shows 2:45
